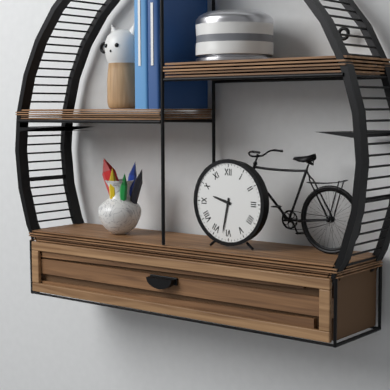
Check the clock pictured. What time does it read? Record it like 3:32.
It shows 9:32
